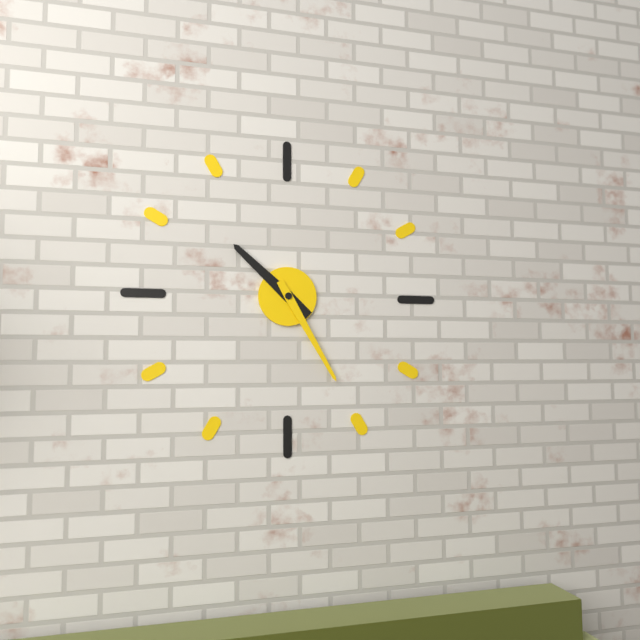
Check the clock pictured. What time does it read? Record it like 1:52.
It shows 10:25
